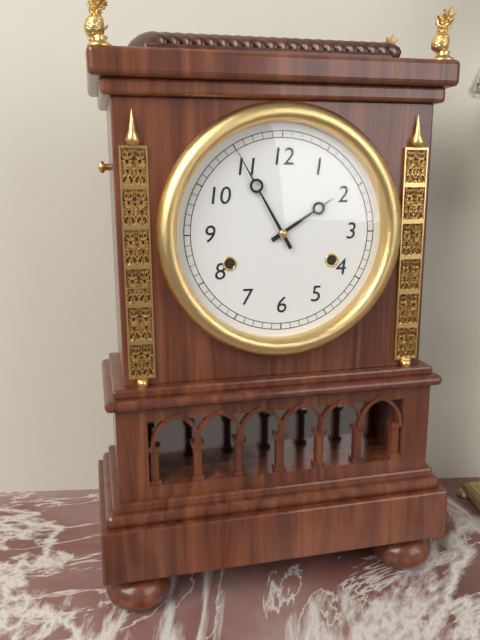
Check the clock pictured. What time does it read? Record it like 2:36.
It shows 1:55
